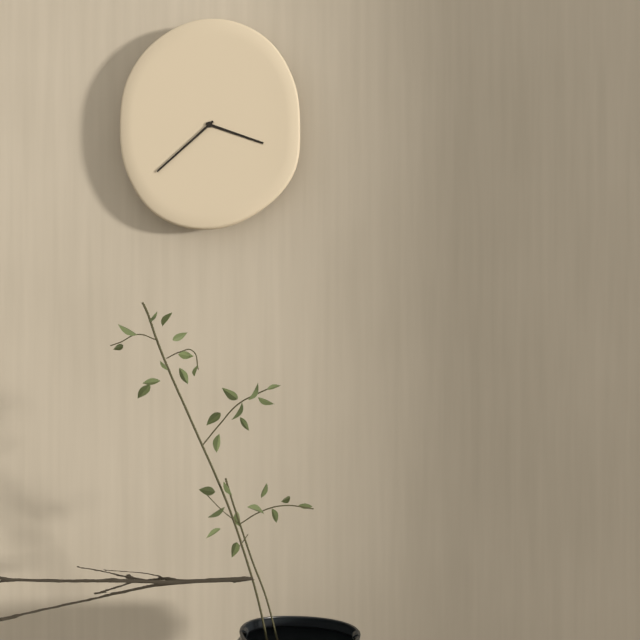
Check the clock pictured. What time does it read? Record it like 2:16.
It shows 3:38
